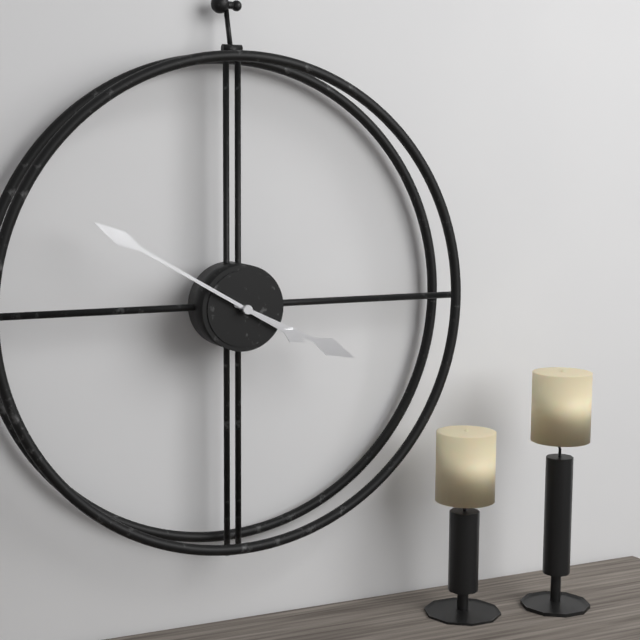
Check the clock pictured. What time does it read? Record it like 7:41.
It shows 3:50
